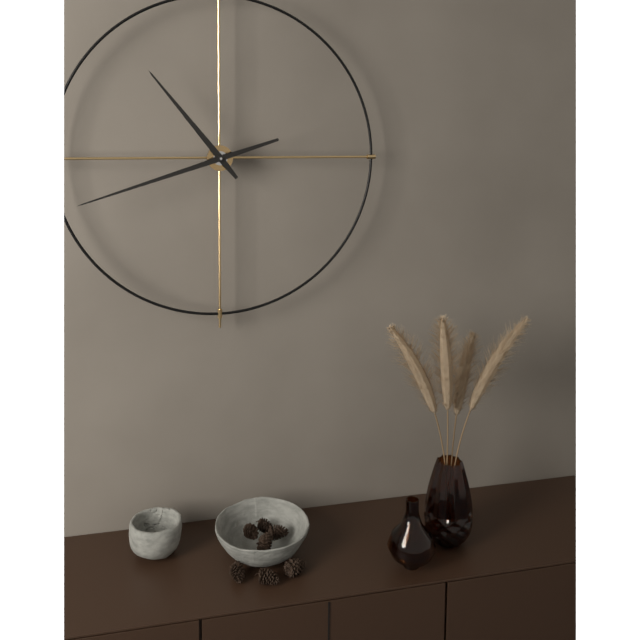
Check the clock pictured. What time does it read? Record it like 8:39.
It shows 10:42
